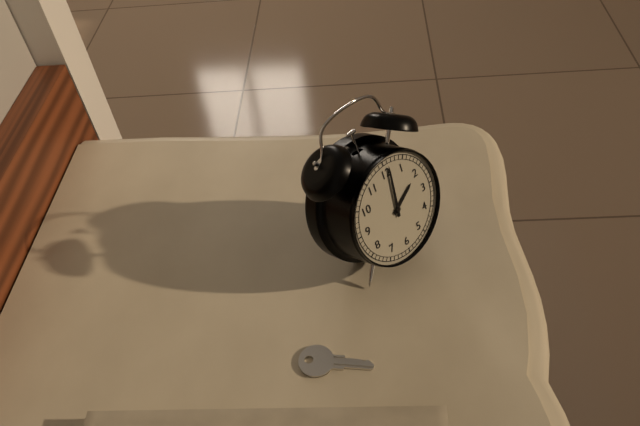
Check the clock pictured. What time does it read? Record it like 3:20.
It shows 2:01
